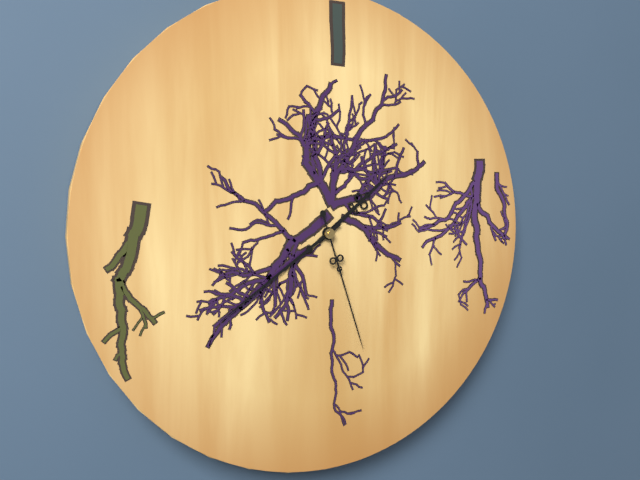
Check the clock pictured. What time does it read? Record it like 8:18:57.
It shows 1:39:27
